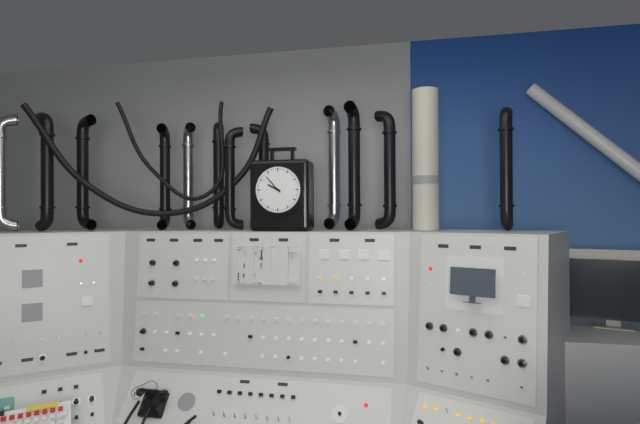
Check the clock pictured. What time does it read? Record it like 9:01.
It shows 9:53
